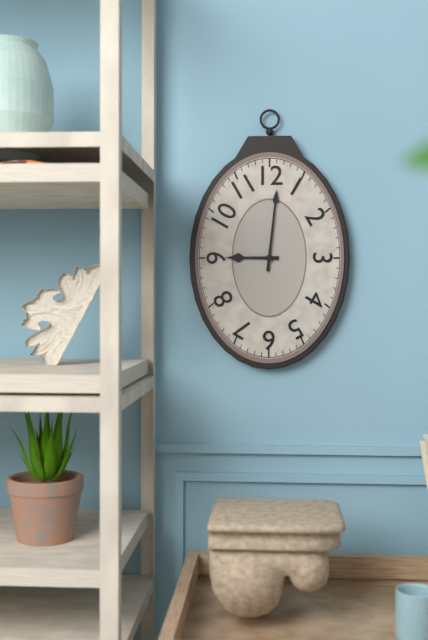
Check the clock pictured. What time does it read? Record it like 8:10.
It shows 9:01
